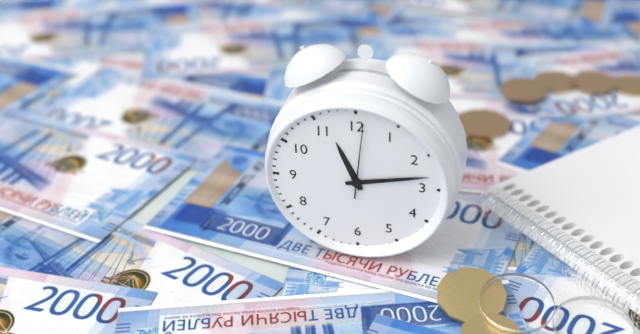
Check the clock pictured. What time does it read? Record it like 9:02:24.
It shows 11:13:01
